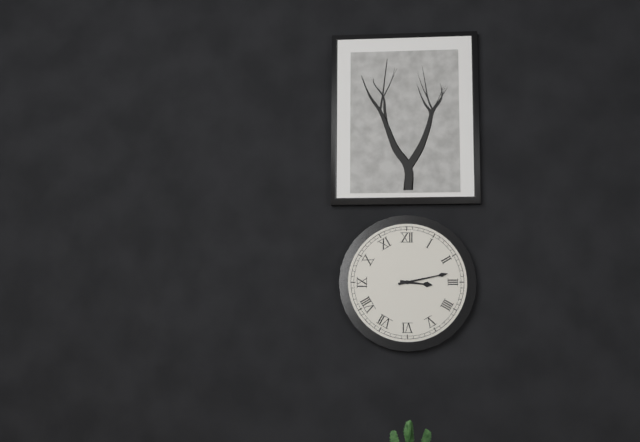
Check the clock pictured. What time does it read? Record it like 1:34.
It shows 3:13
